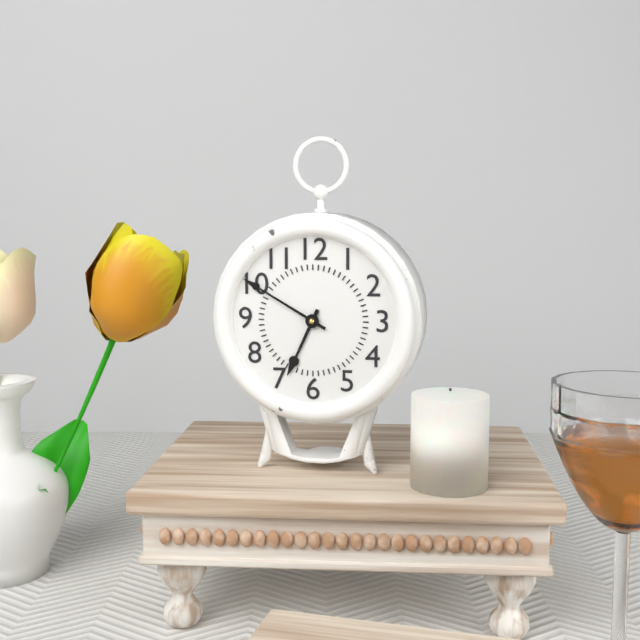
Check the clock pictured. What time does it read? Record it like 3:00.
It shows 6:50
